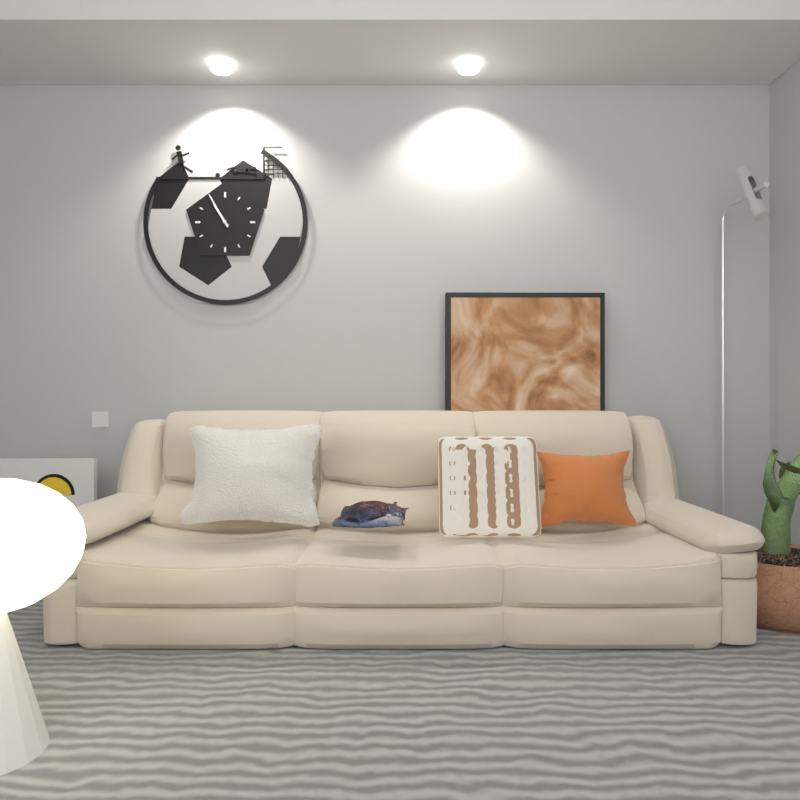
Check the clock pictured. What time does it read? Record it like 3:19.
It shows 10:55
